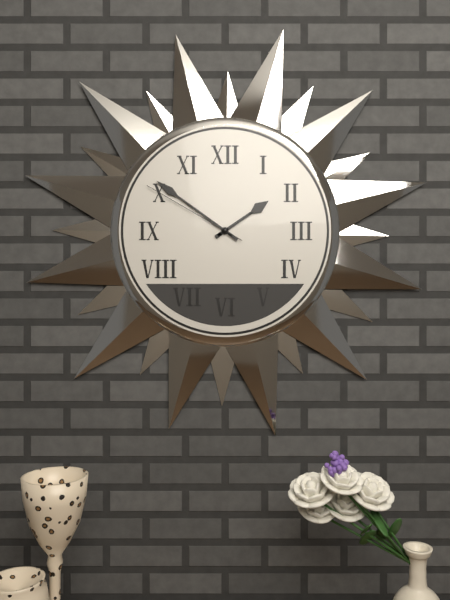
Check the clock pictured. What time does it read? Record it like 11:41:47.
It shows 1:51:50
